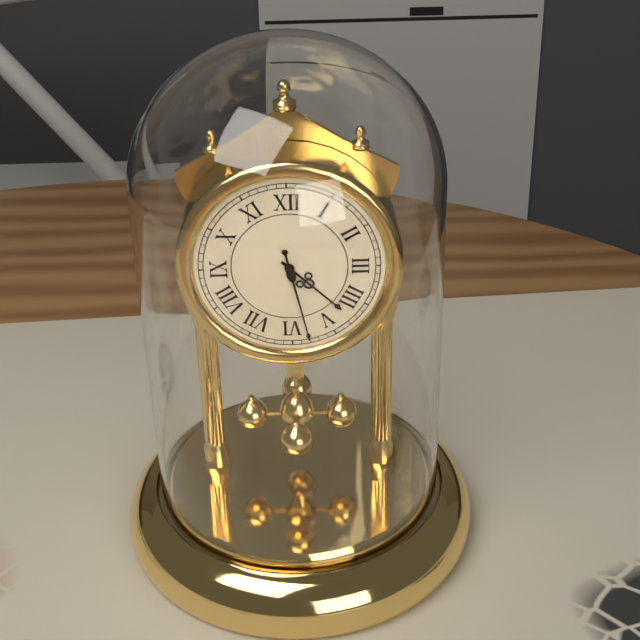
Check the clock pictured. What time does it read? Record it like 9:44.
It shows 4:28
